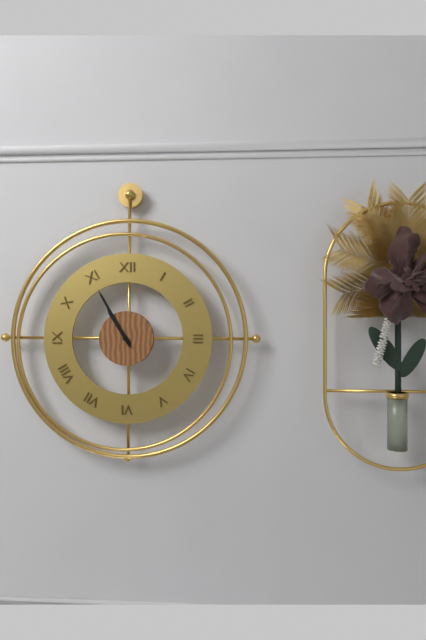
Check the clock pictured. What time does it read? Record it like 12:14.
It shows 10:55
